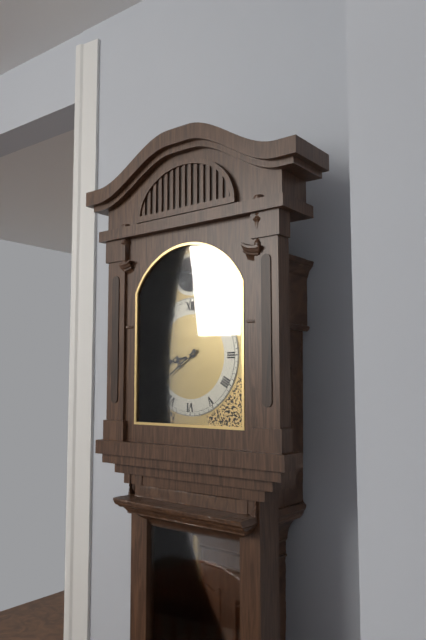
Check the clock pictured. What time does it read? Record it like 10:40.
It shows 8:39
